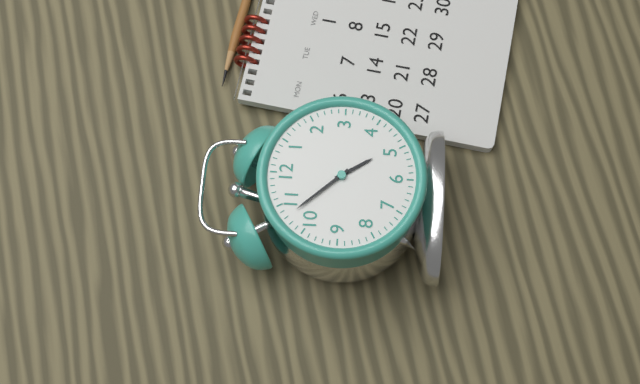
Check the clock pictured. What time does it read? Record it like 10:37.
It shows 4:53
